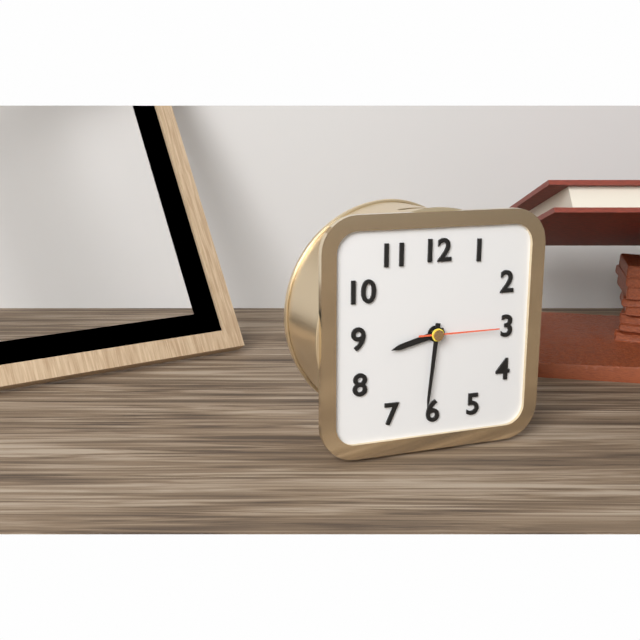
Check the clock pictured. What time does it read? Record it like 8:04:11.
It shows 8:31:15
